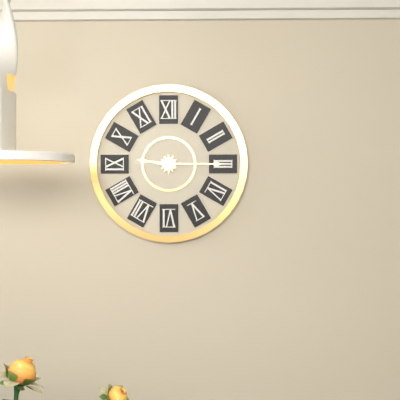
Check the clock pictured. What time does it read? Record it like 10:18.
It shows 9:15
